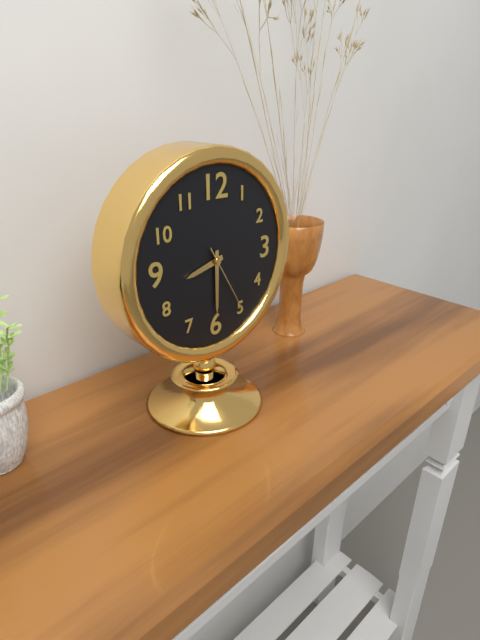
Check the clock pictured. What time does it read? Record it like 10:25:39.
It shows 8:30:25
